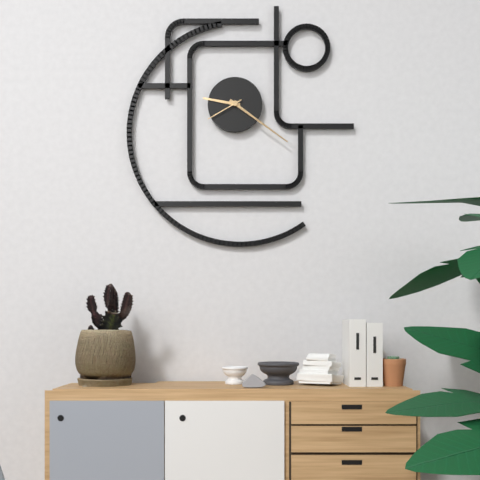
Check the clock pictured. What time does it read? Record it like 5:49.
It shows 9:21
